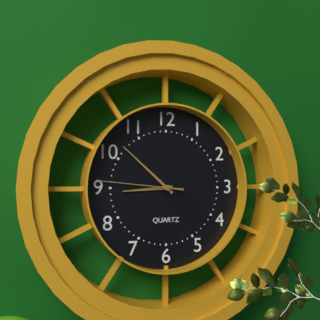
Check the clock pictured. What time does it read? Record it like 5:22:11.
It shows 8:52:46
